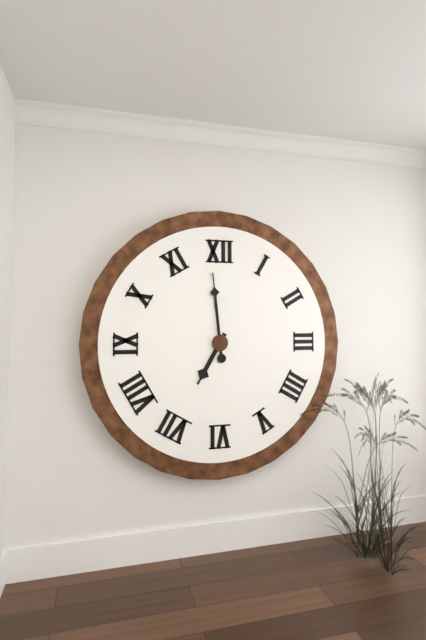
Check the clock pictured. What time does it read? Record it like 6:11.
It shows 6:59
